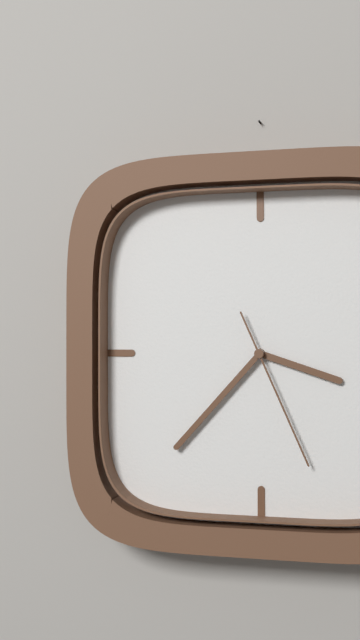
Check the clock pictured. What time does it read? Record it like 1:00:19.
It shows 3:37:26
